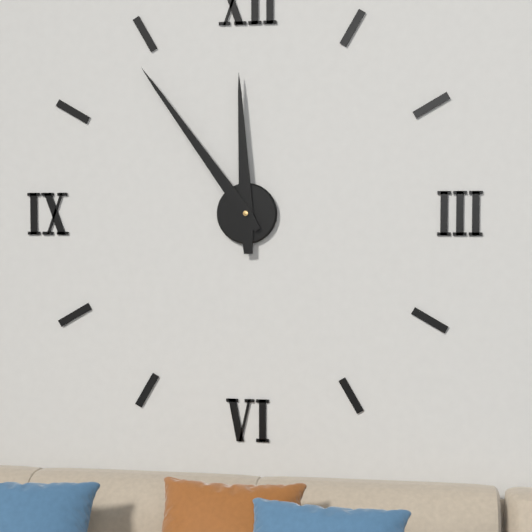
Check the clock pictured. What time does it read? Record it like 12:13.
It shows 11:54
